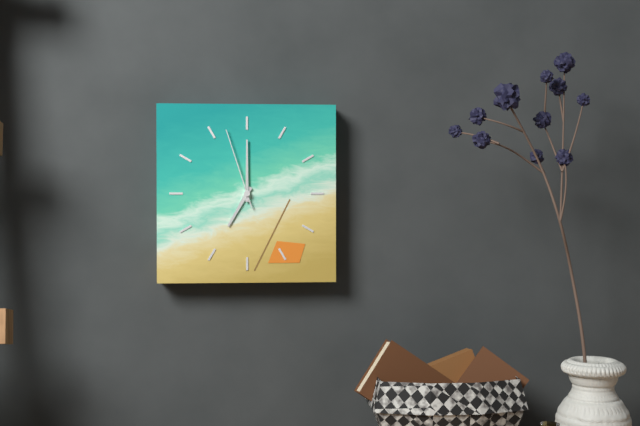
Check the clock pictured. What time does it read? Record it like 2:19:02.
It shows 7:00:57
